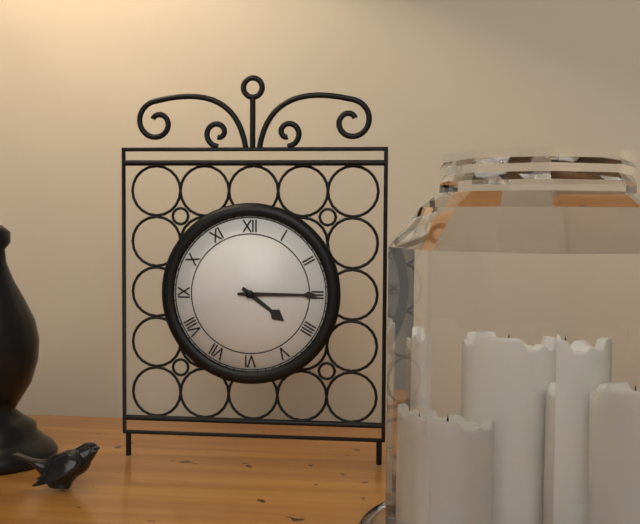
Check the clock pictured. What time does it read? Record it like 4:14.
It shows 4:15
